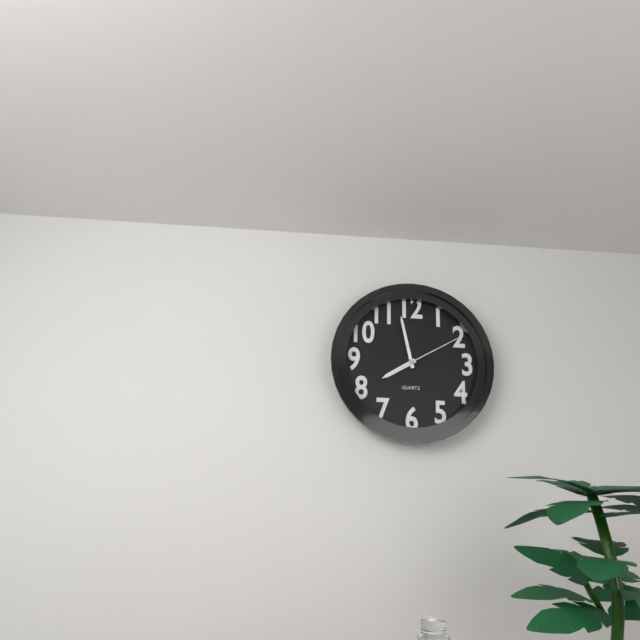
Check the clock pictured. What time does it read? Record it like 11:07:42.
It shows 7:58:10
